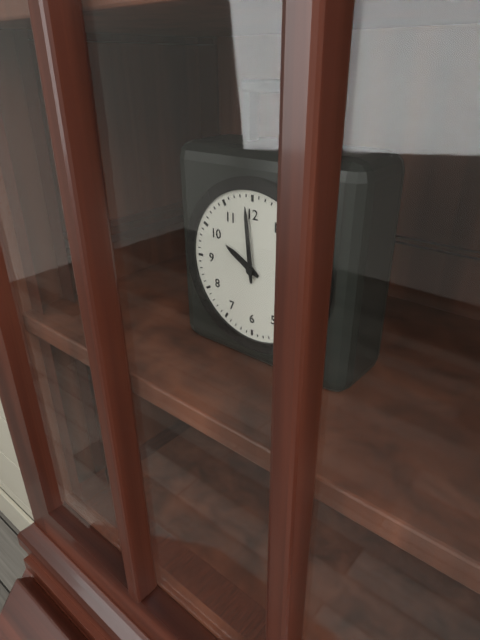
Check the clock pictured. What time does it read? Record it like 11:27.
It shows 9:59
